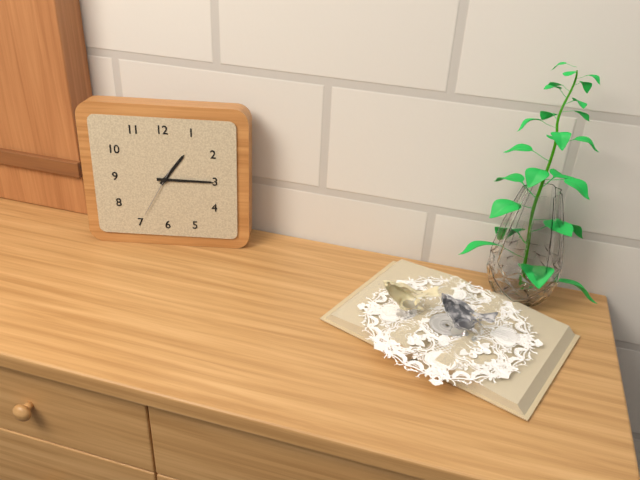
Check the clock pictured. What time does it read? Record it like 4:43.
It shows 1:15
